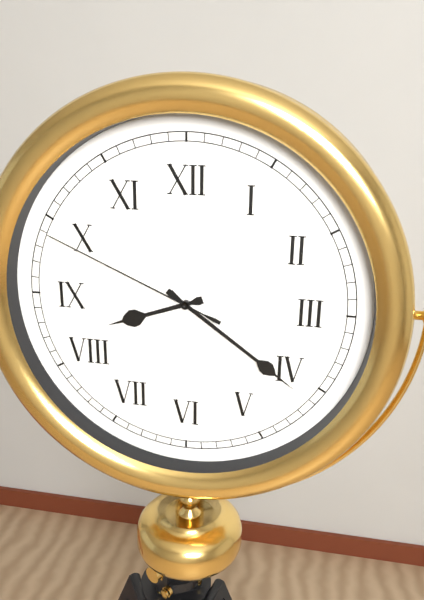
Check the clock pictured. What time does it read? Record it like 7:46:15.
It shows 8:21:49
